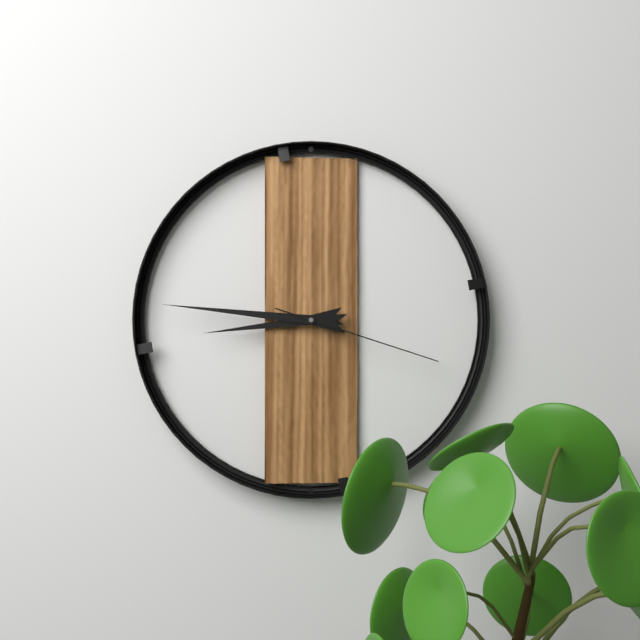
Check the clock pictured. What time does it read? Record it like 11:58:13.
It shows 8:46:18
